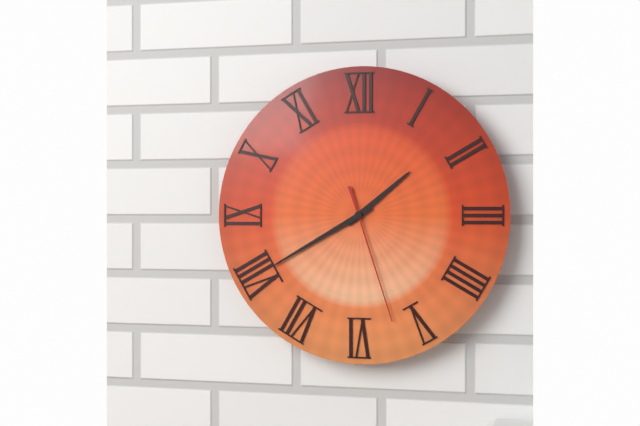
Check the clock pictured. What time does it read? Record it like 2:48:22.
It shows 1:40:27
